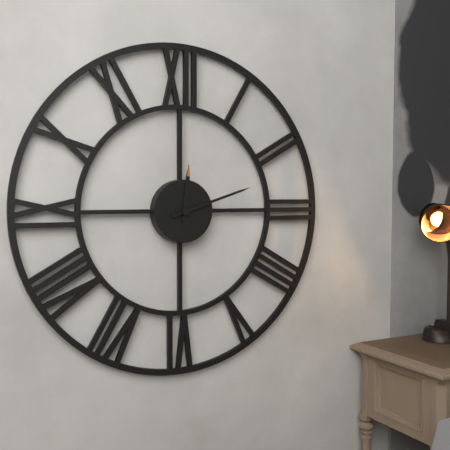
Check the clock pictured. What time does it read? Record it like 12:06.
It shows 12:12
